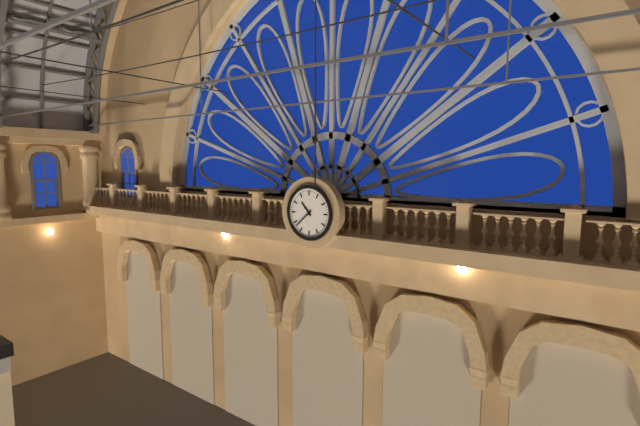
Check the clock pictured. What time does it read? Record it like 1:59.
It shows 10:38
